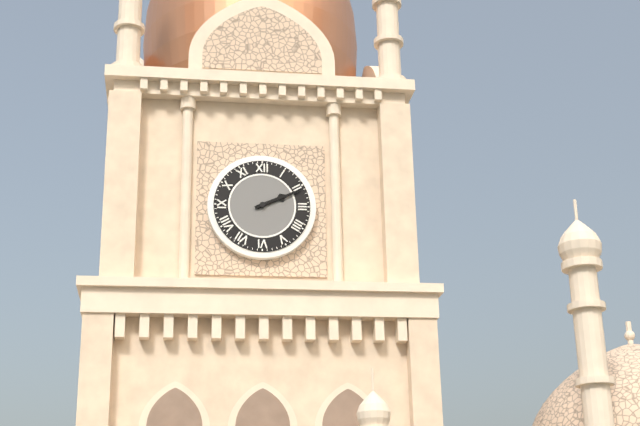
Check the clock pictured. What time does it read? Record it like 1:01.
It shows 2:11
